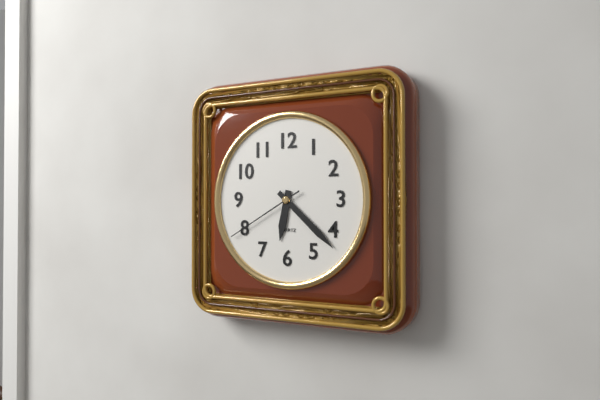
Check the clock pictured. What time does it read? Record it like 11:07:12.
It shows 6:22:40
